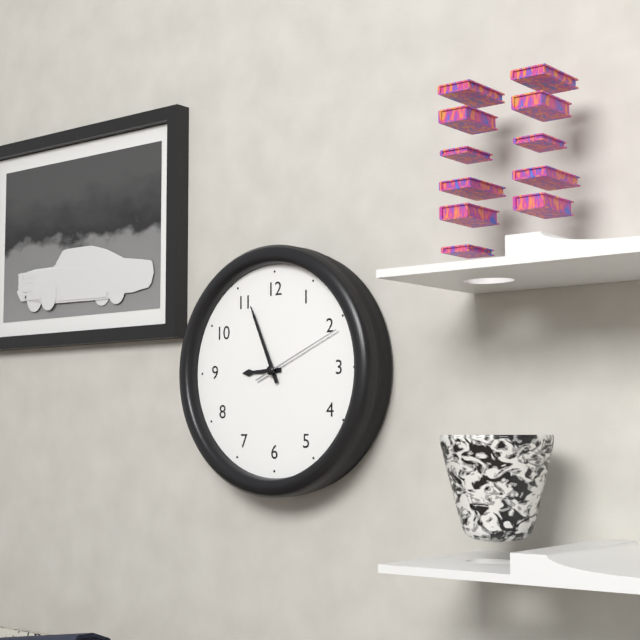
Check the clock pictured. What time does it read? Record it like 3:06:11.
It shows 8:56:11
